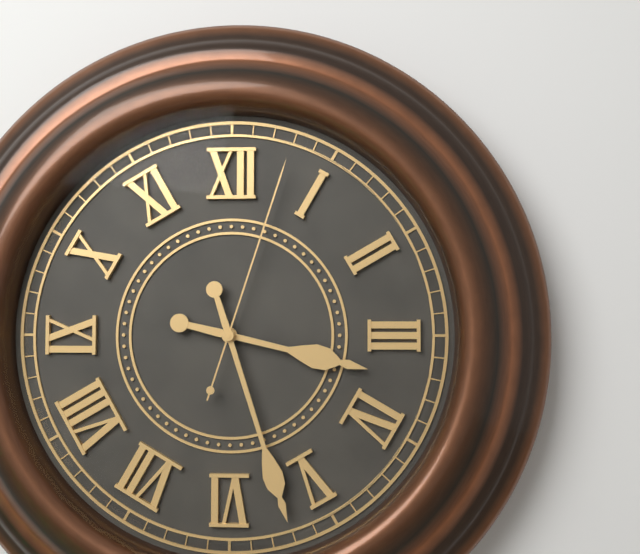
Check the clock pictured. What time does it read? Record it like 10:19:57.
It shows 3:27:03
